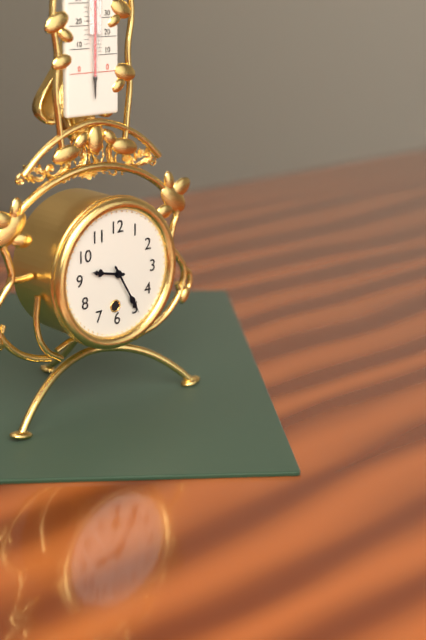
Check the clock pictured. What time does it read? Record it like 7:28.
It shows 9:25
